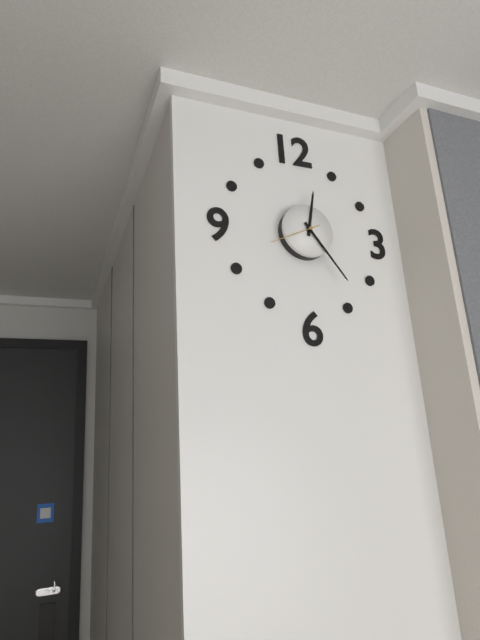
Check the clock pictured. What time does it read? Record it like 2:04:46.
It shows 12:24:41
